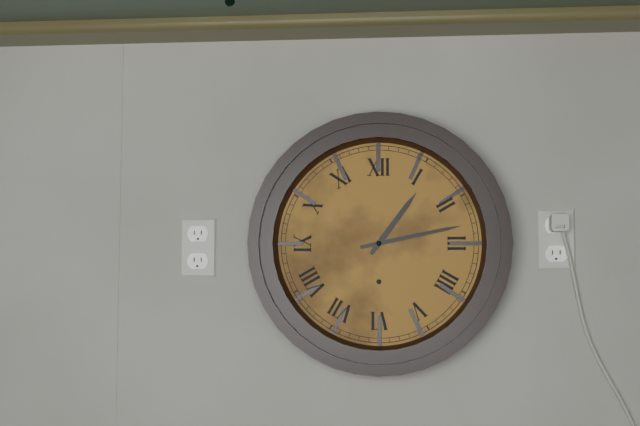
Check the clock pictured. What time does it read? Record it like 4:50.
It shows 1:13
